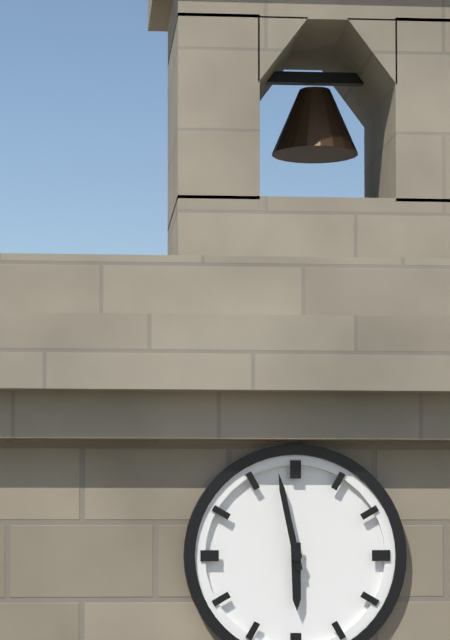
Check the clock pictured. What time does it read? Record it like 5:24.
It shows 5:58
